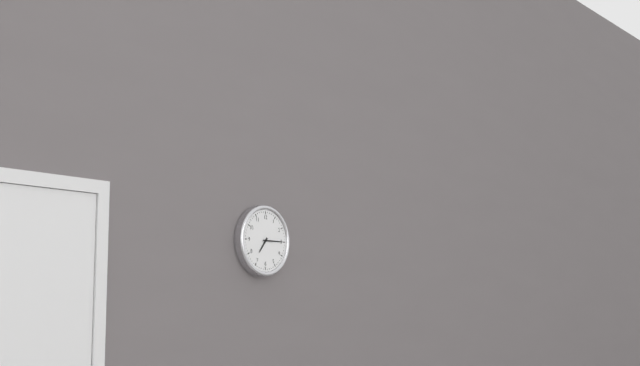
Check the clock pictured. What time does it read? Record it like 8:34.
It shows 7:15
